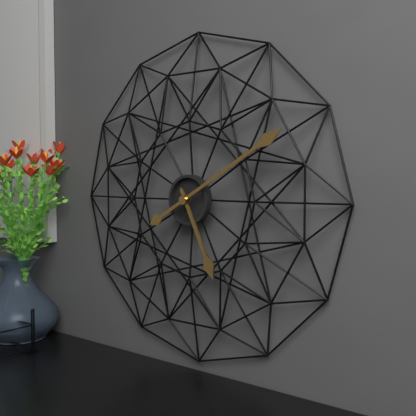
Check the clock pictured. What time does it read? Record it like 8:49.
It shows 5:10
